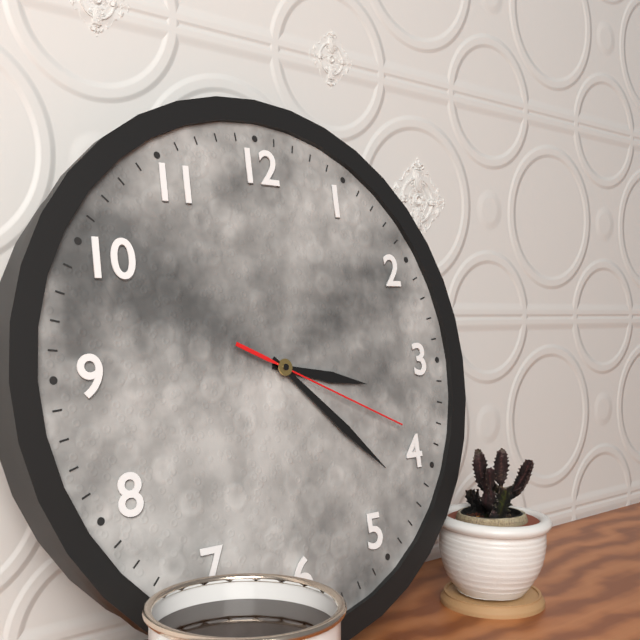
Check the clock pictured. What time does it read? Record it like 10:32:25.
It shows 3:22:19
